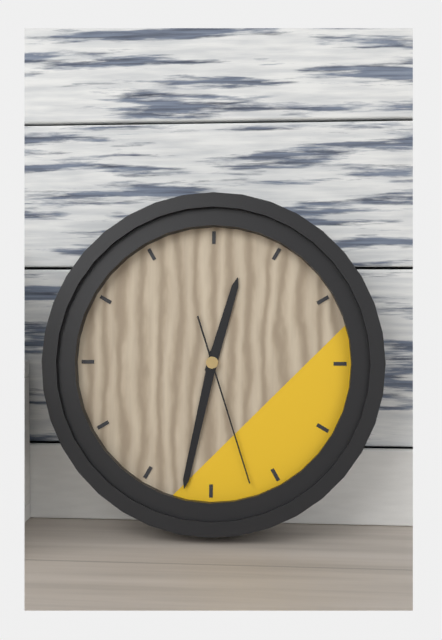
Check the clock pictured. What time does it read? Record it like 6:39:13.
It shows 12:32:27
